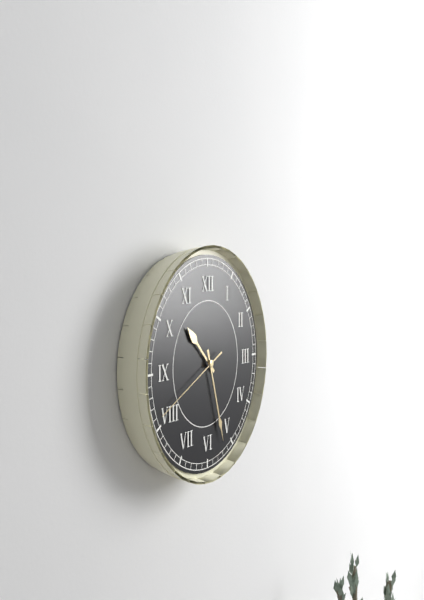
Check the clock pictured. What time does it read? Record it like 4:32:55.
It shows 10:27:41
